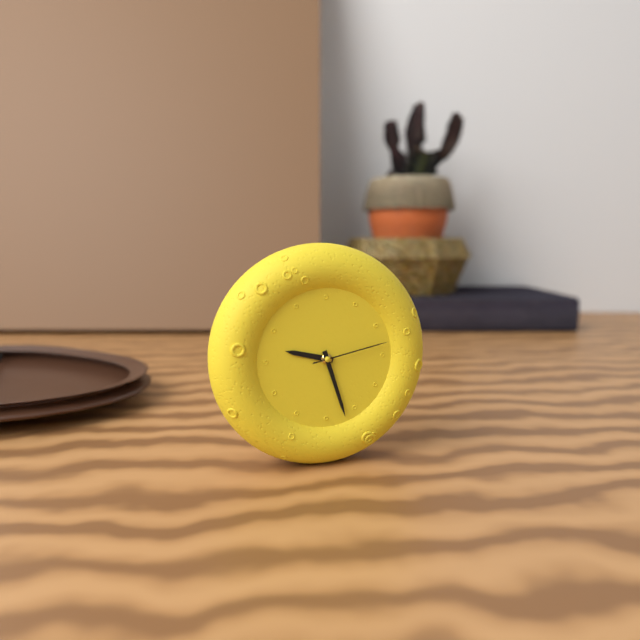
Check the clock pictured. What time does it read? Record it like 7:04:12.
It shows 9:27:13
